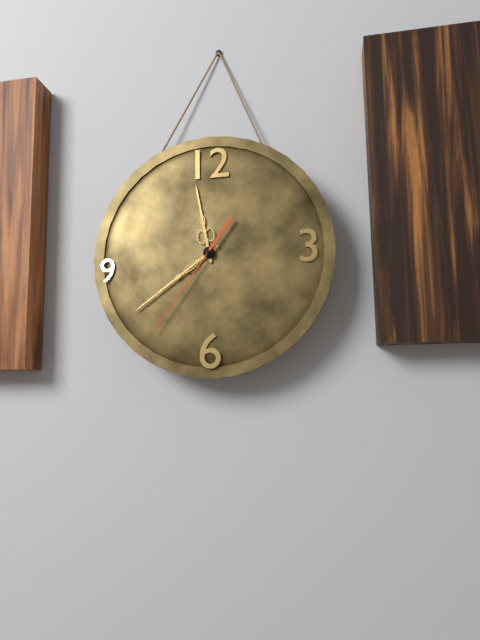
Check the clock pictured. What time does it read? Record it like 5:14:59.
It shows 11:39:36
